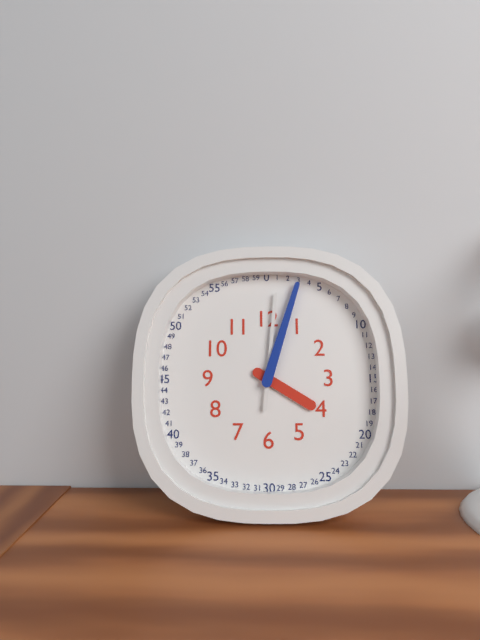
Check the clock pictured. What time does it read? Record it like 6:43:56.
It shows 4:03:01
